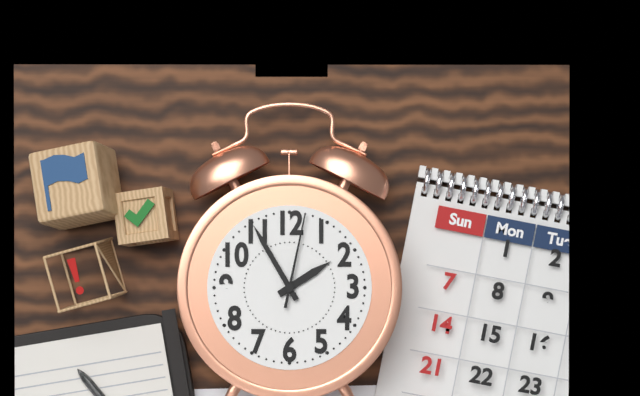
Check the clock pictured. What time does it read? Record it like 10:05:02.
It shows 1:55:02
